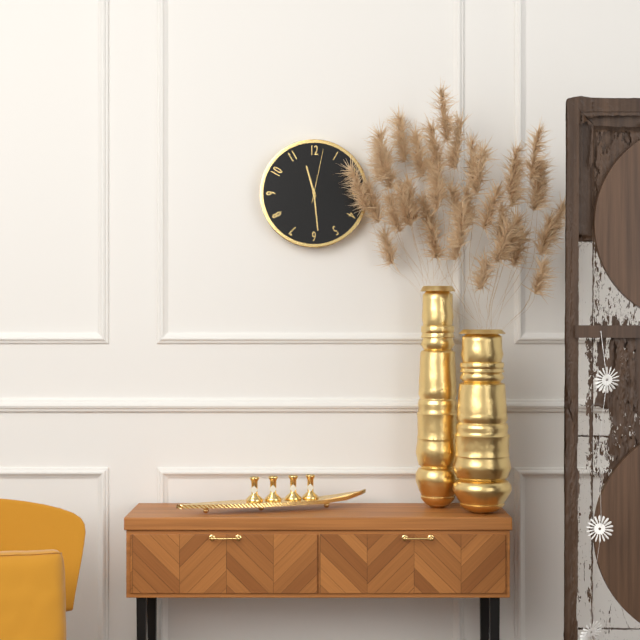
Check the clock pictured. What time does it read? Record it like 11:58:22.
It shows 11:29:02
